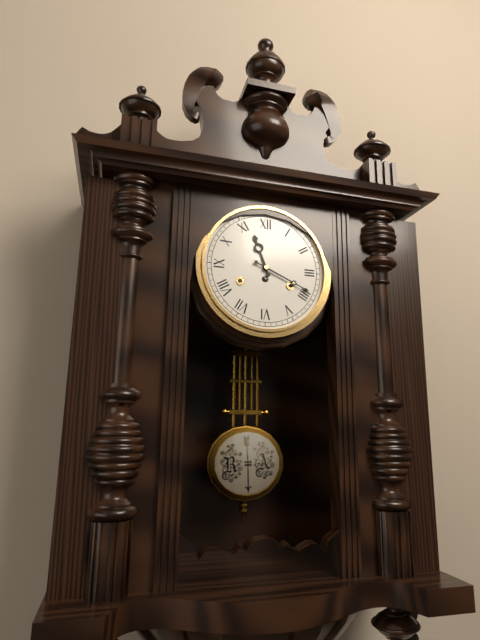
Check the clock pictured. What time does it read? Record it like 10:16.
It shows 11:19
